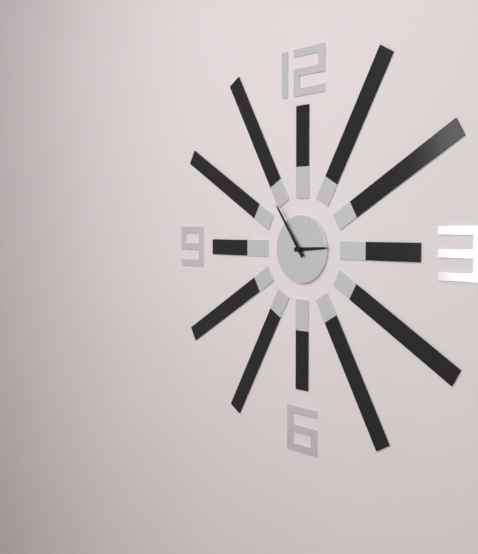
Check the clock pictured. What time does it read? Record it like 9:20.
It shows 2:54
